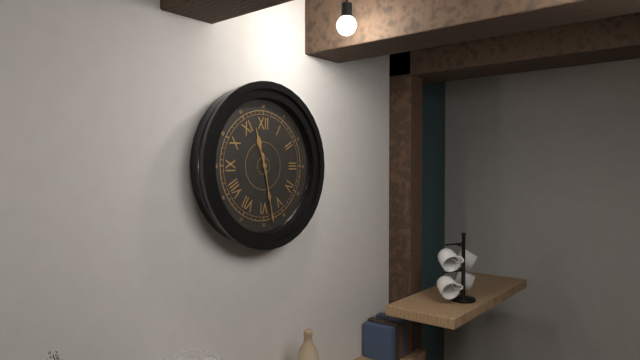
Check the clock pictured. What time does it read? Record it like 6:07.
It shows 11:28
